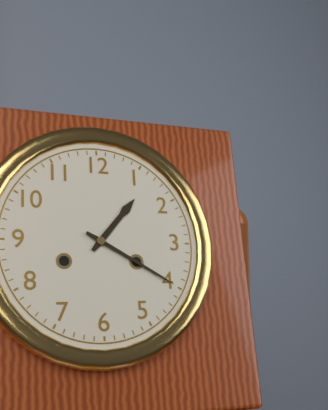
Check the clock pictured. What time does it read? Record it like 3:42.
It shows 1:20
